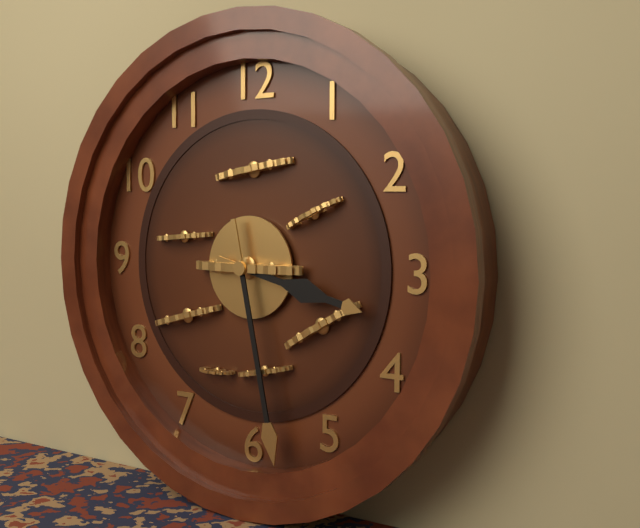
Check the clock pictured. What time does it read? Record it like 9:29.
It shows 3:28
